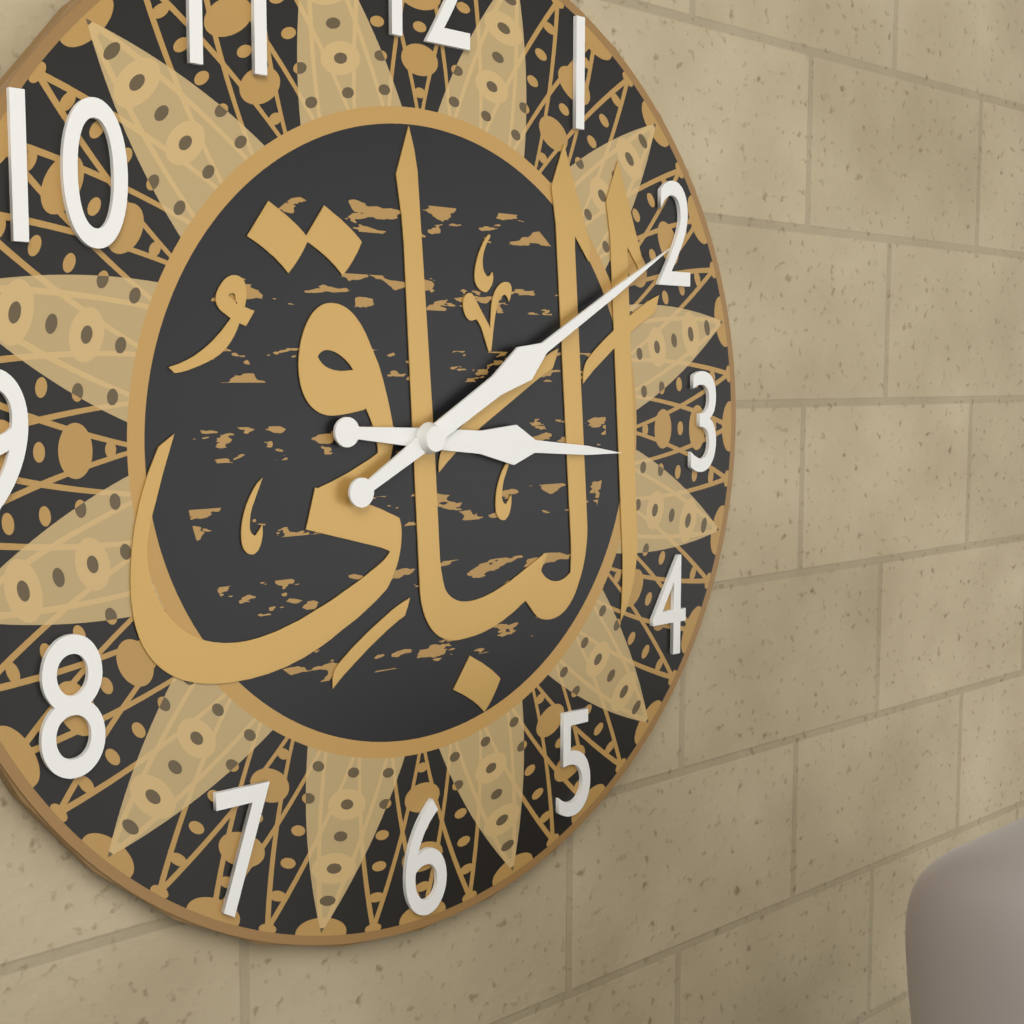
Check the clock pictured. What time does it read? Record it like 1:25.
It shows 3:10
